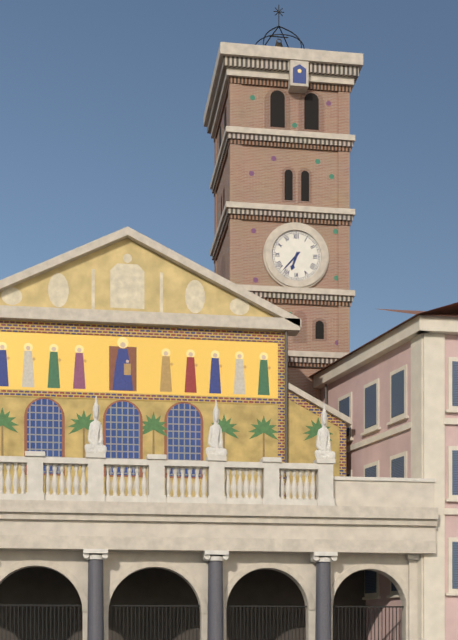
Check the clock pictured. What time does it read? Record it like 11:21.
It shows 6:37
